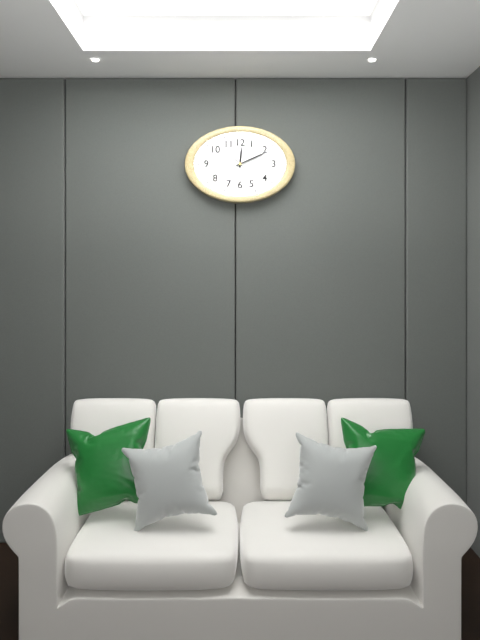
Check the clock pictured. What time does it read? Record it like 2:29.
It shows 12:11
